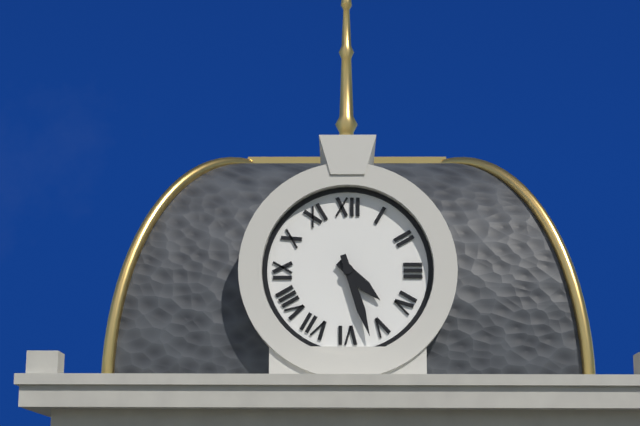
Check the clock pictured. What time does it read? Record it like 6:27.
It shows 4:27
